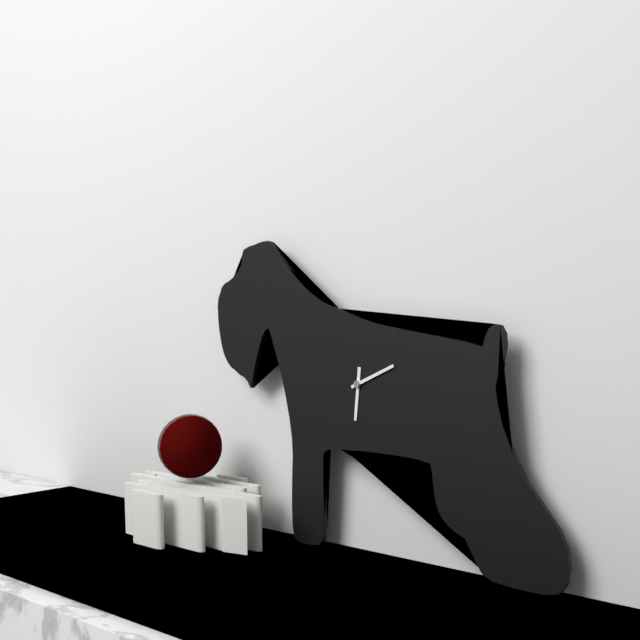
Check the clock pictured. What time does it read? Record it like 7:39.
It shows 6:11
